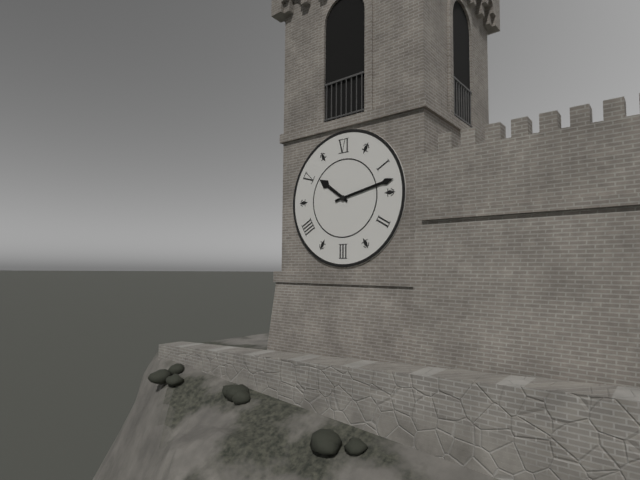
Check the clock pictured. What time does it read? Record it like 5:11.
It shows 10:13
